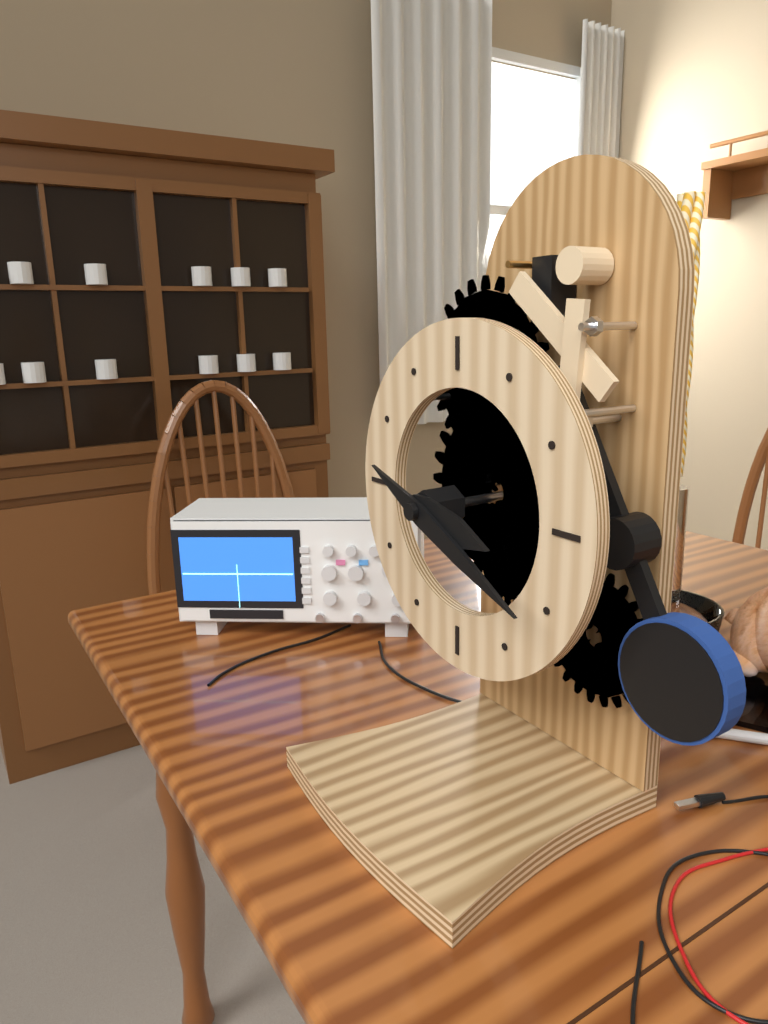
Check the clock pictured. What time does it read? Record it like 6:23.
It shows 3:19
